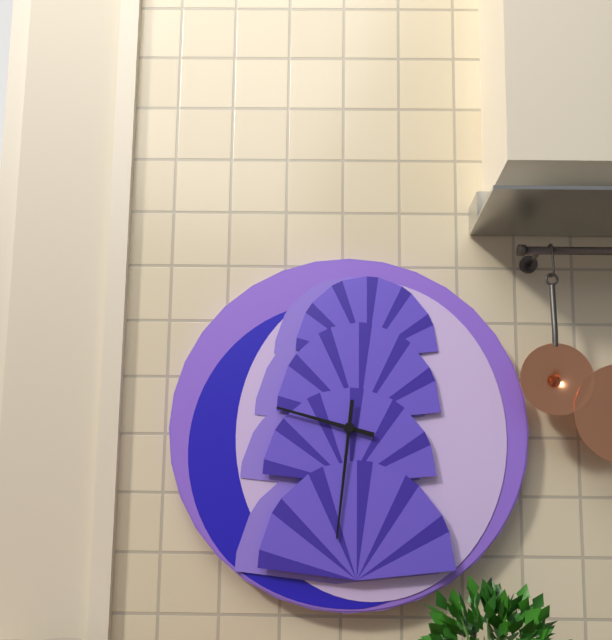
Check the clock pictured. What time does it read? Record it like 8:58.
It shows 9:31
